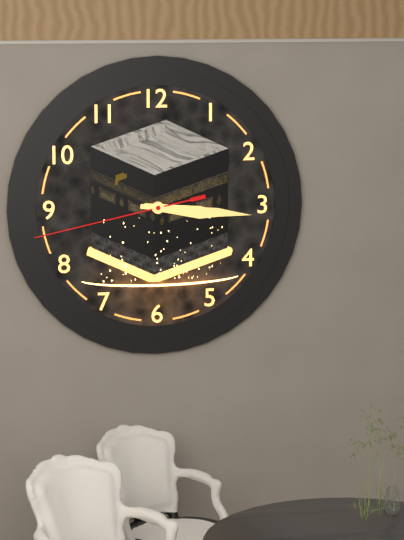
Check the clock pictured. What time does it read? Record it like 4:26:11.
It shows 3:16:43
